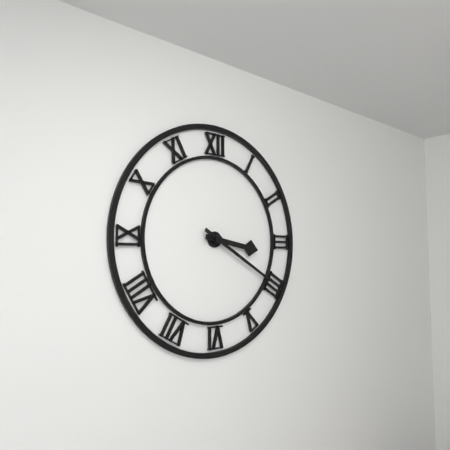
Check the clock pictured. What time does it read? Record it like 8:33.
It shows 3:20
